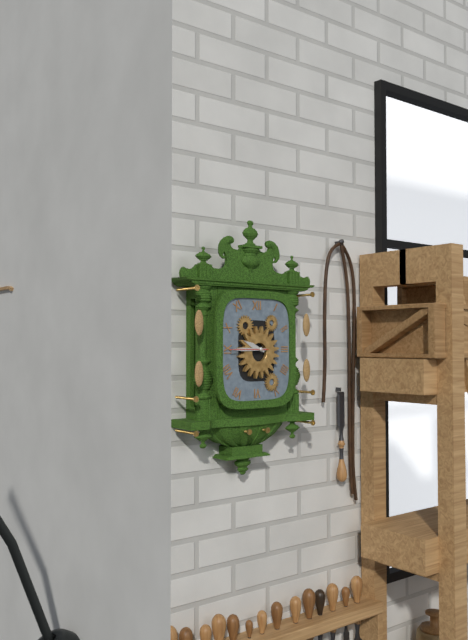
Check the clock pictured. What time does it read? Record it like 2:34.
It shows 9:45
